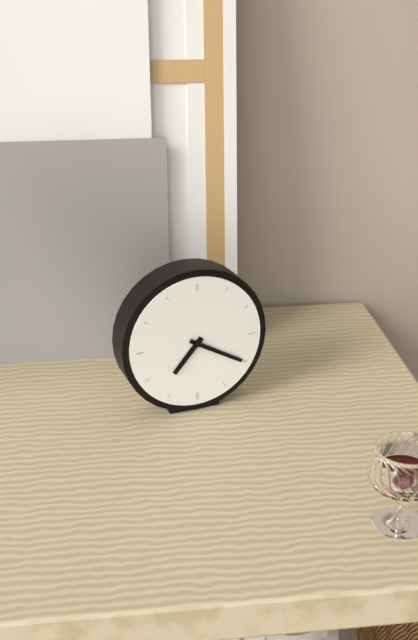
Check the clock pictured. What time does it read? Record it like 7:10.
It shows 7:20
